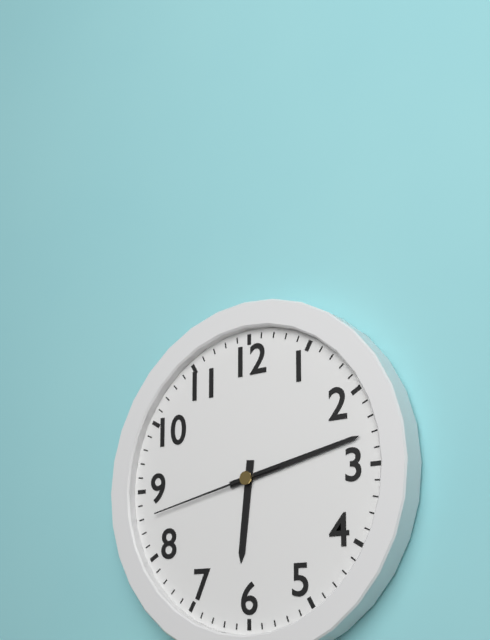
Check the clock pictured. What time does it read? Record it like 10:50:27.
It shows 6:13:43
